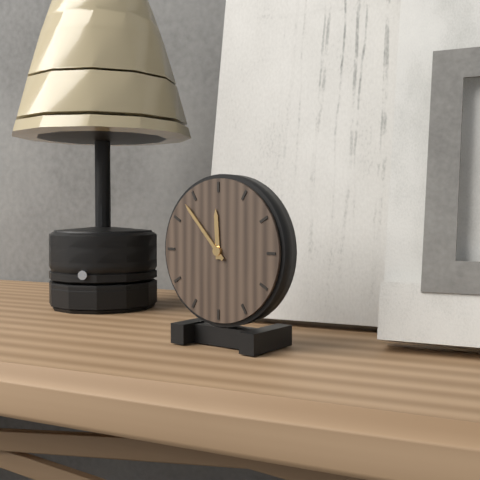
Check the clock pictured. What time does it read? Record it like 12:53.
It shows 11:53
